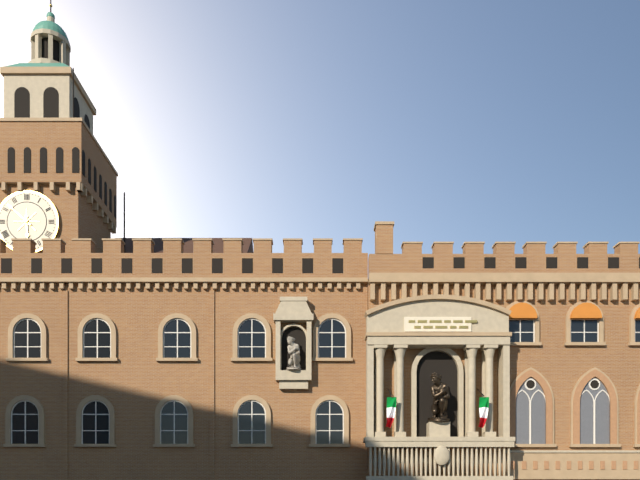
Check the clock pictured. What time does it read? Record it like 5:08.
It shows 5:52
